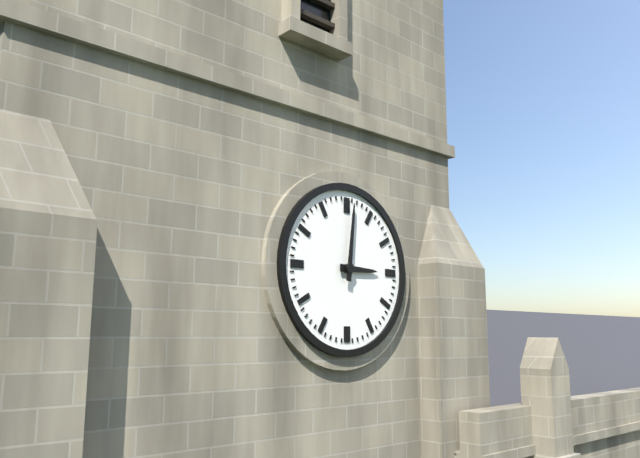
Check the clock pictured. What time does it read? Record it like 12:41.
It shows 3:01
